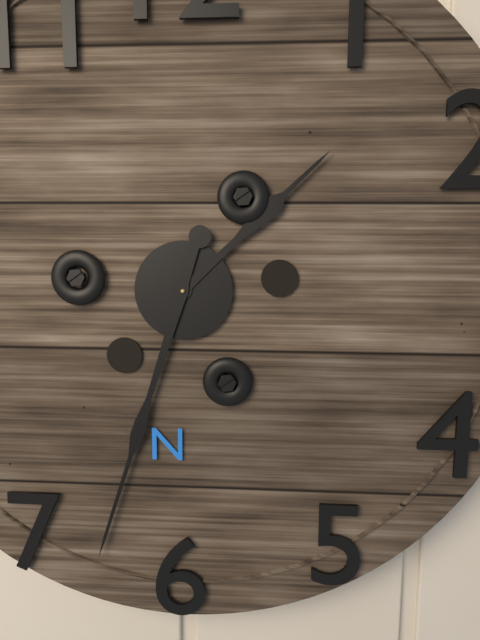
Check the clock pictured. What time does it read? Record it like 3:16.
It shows 1:33
